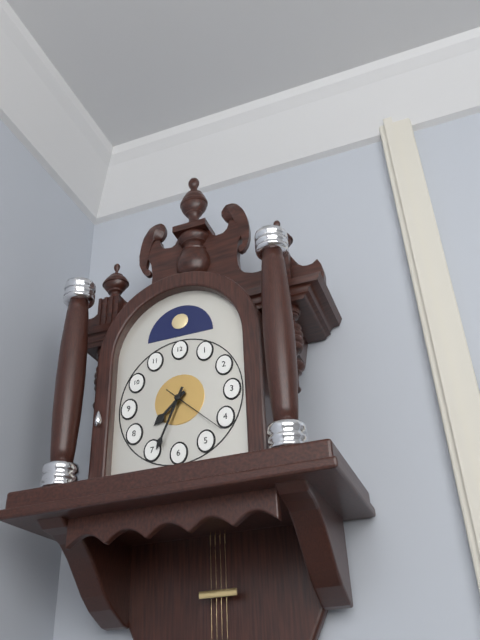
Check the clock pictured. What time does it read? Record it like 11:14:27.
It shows 7:34:22
